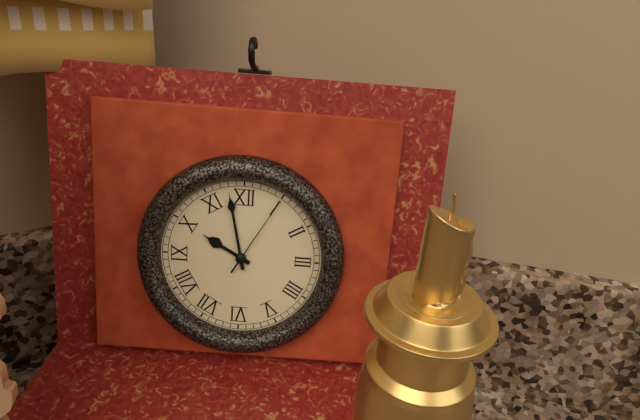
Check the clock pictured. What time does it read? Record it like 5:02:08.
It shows 9:58:05
